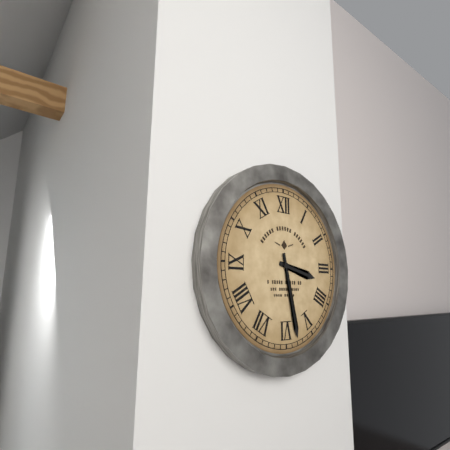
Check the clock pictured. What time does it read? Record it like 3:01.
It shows 3:28
